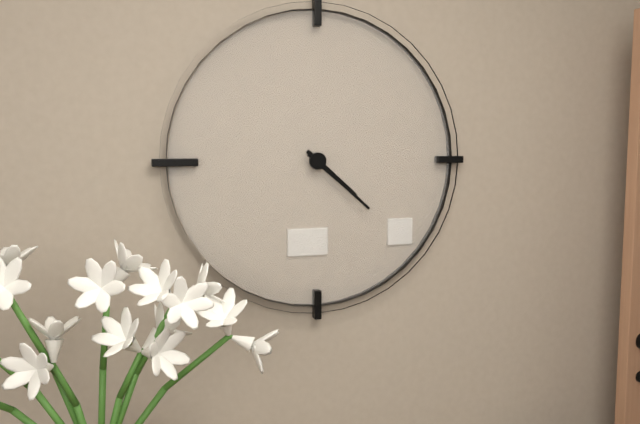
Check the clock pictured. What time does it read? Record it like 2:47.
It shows 4:22
